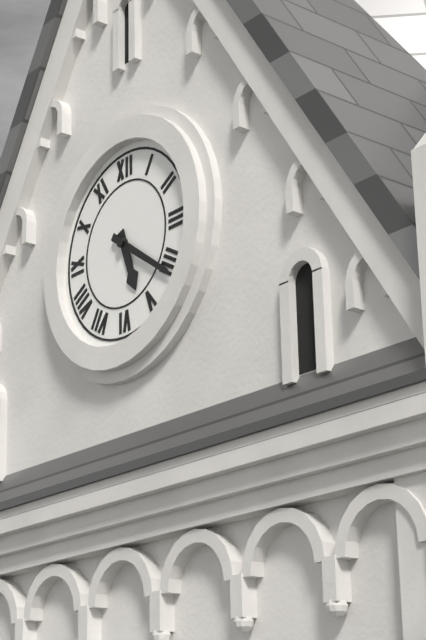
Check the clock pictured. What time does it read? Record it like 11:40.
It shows 5:21
